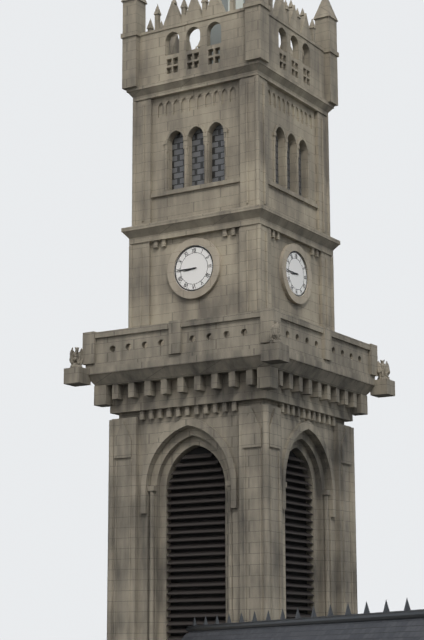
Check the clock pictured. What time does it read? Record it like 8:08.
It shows 8:45
